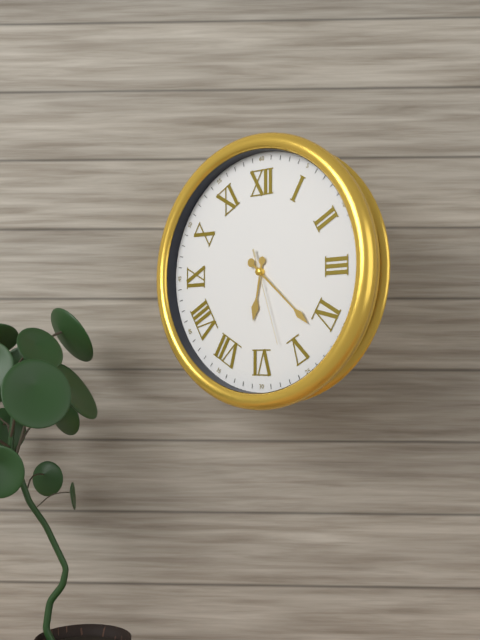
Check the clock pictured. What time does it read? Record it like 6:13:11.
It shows 6:22:27
